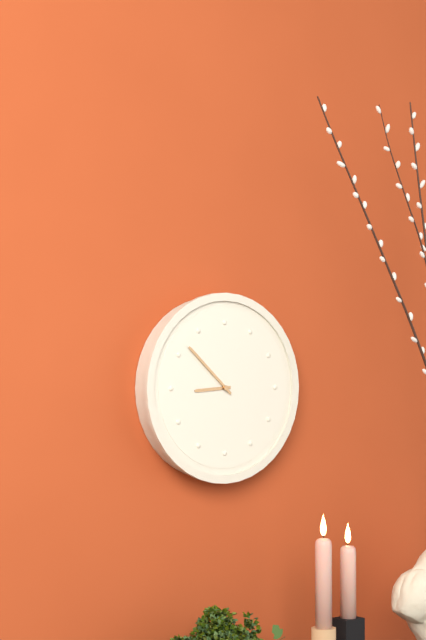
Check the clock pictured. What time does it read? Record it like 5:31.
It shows 8:52
